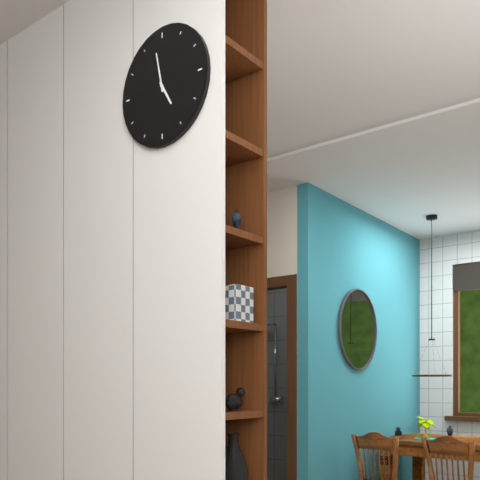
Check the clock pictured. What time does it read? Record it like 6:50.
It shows 4:58
